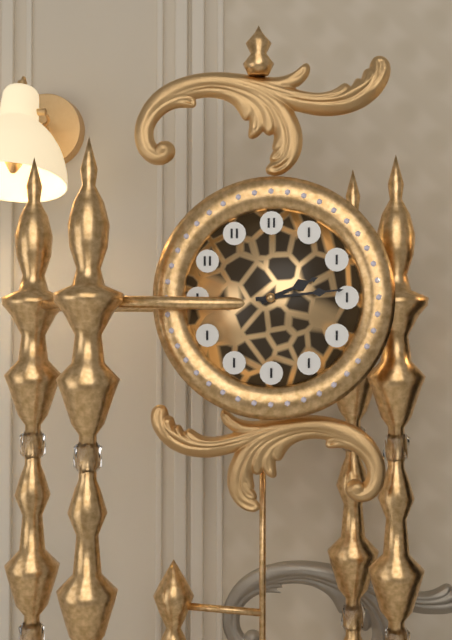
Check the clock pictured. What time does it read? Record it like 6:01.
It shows 2:14
